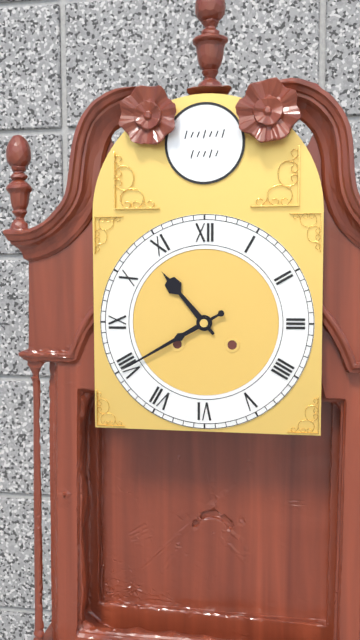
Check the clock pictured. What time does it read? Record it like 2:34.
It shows 10:40
